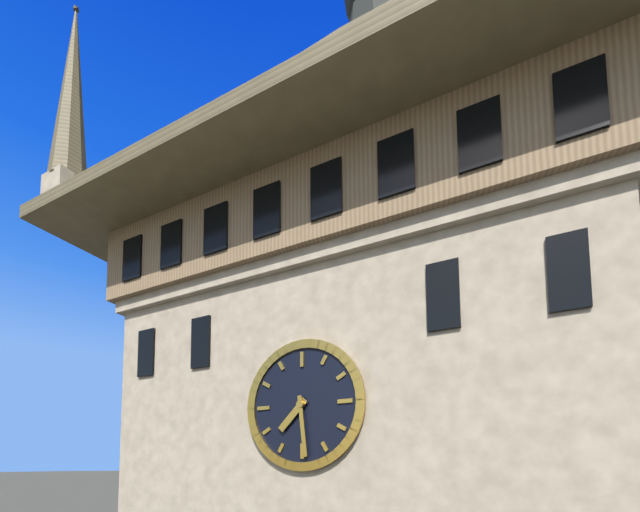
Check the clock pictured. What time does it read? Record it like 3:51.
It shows 7:29
